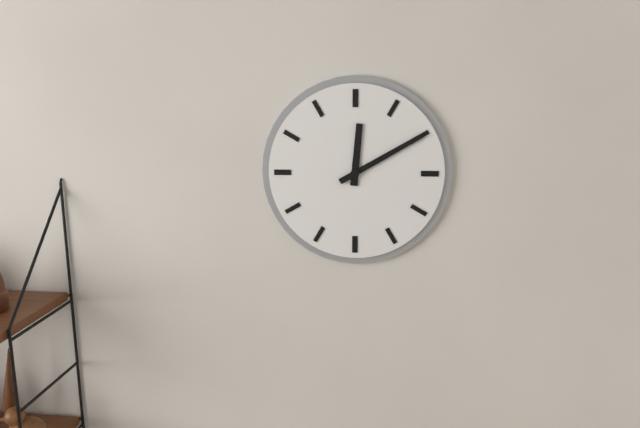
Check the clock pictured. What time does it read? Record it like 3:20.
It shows 12:10
